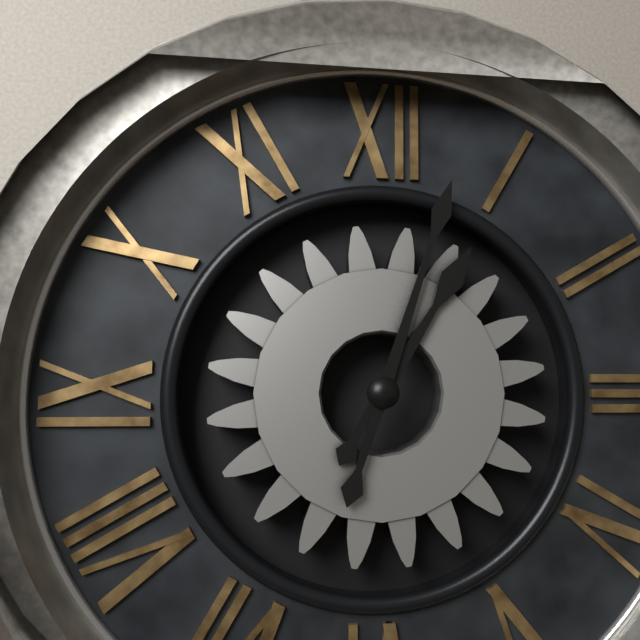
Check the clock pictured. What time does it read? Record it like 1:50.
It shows 1:03
